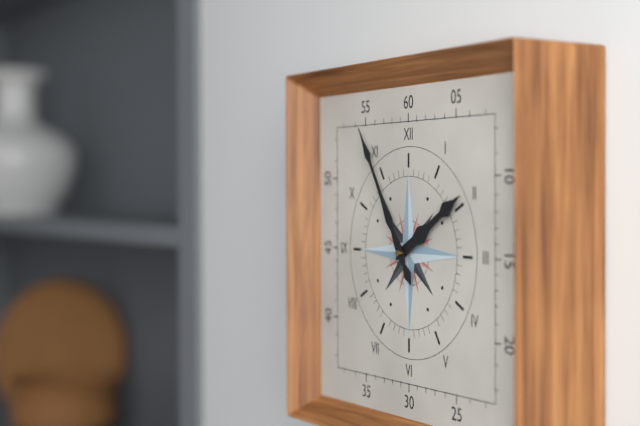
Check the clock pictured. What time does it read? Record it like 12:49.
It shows 1:55
